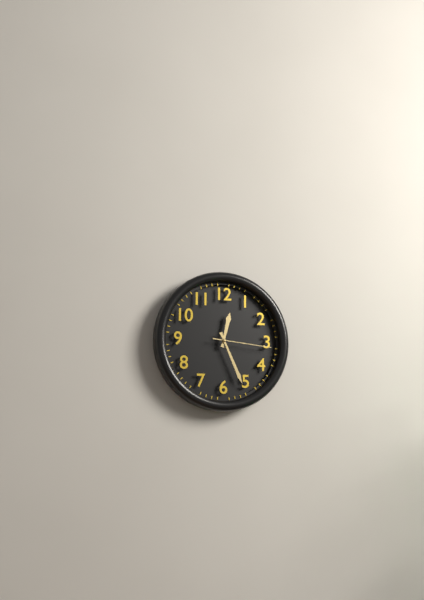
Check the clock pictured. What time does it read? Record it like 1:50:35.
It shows 12:26:16
